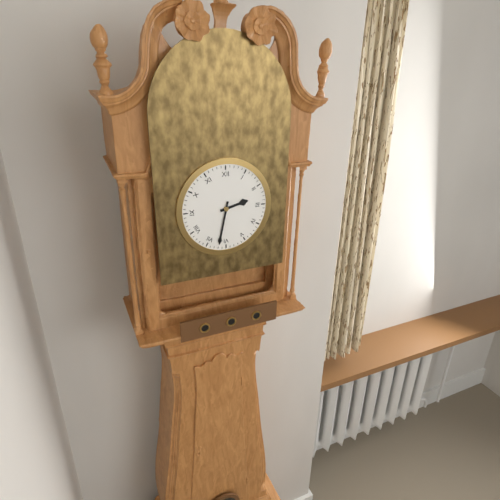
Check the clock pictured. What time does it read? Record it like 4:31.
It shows 2:32
